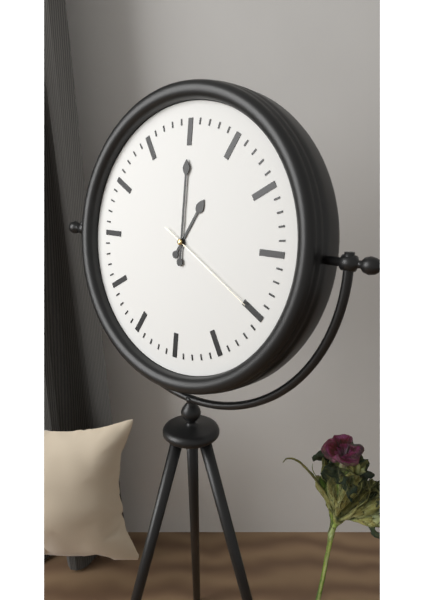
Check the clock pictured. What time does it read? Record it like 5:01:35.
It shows 1:00:20
